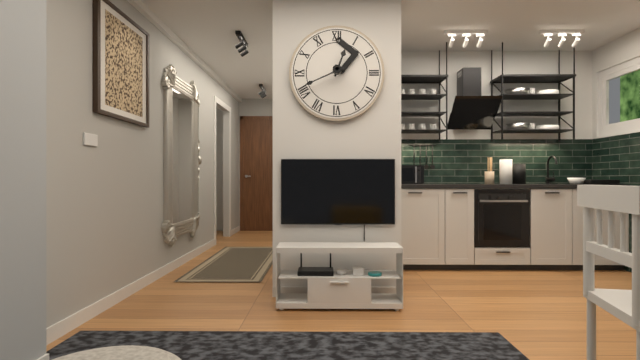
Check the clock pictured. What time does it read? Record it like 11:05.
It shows 12:41
